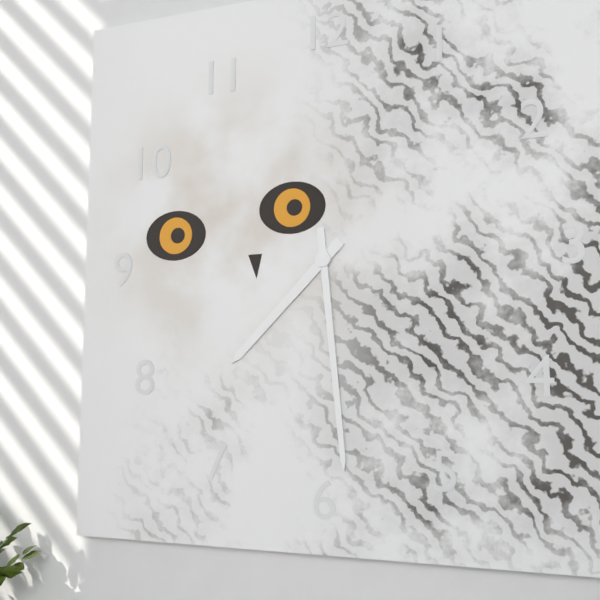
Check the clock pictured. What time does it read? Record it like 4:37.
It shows 7:29
